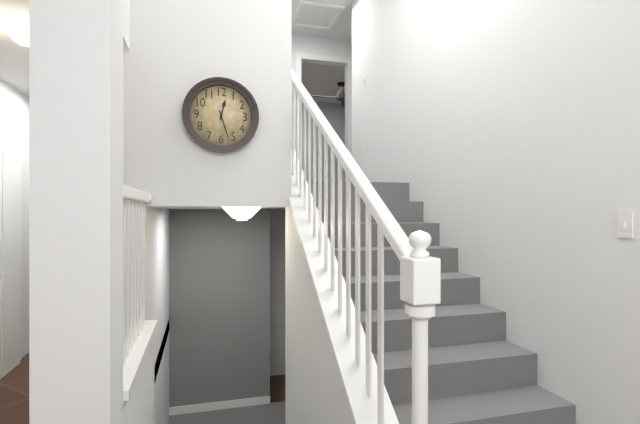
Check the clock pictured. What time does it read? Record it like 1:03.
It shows 12:27
